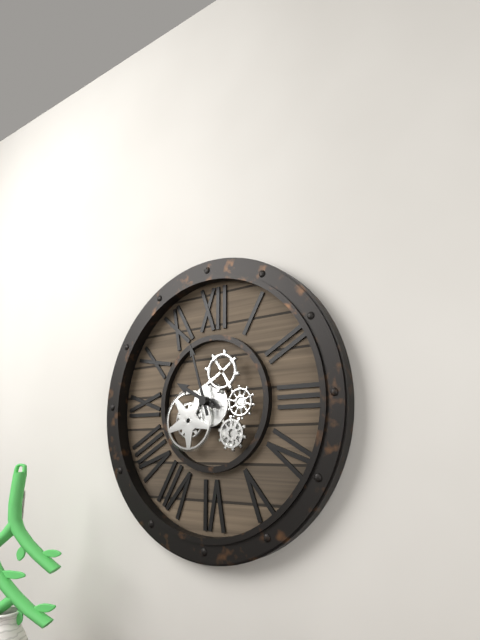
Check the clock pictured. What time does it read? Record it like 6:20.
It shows 9:57
